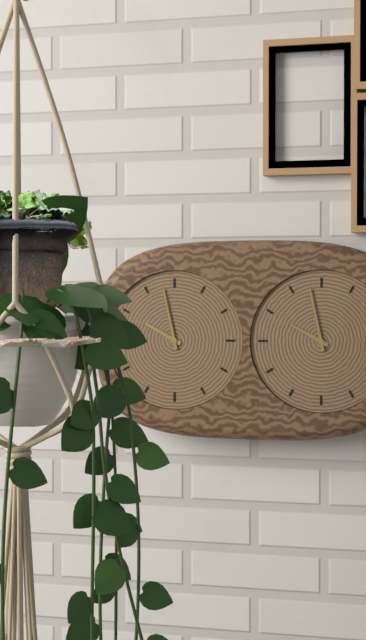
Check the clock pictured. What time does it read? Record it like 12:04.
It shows 9:58
